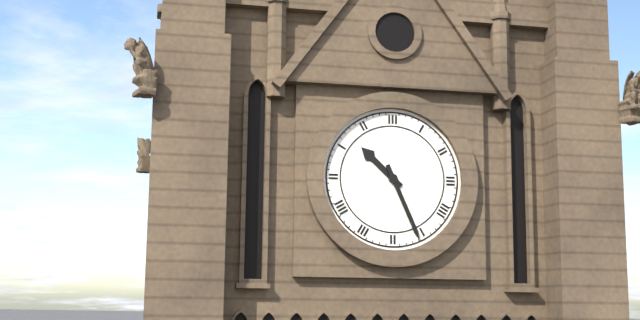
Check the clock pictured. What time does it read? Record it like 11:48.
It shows 10:26
